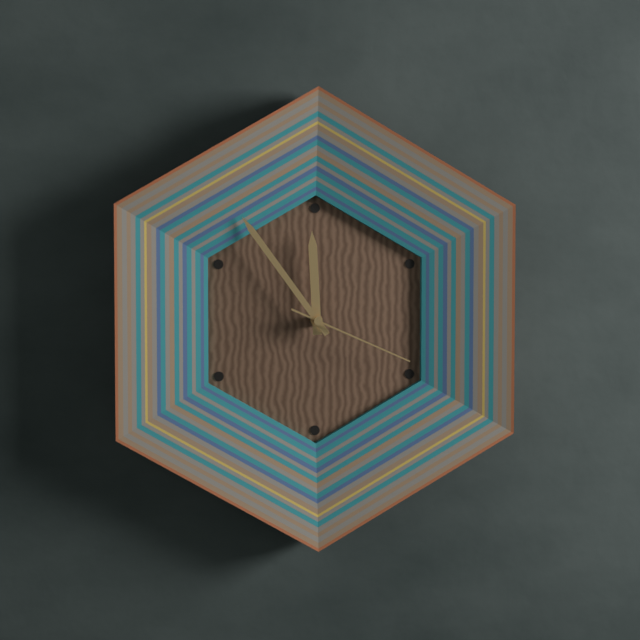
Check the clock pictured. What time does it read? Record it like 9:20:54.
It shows 11:54:19
